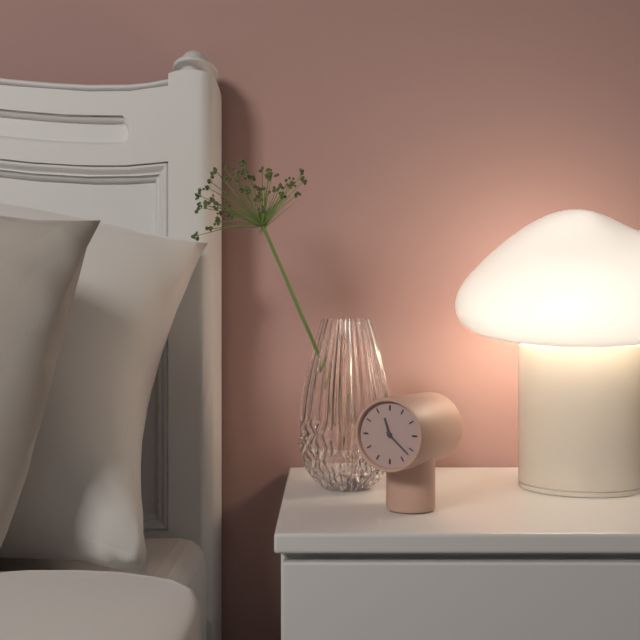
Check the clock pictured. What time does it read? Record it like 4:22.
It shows 11:22
